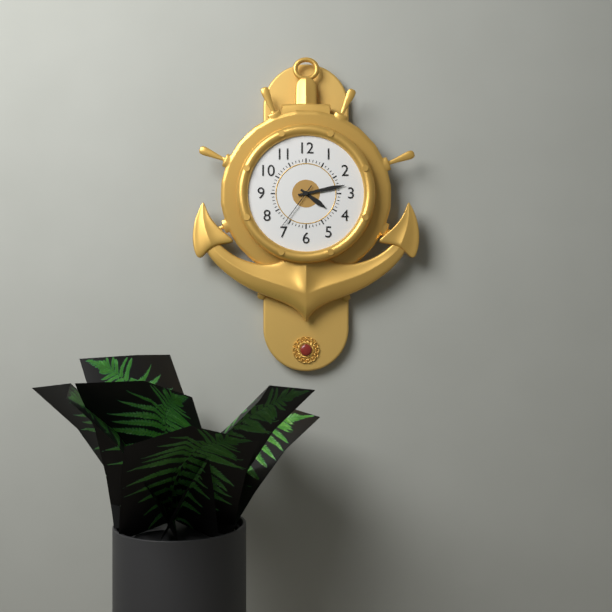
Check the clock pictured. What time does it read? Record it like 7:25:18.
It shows 4:13:36
